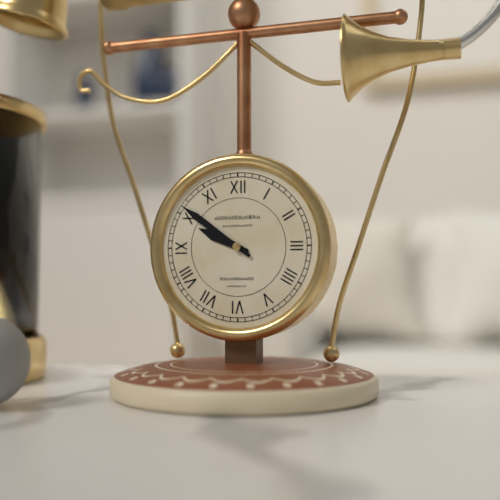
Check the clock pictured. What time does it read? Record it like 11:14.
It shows 9:51
